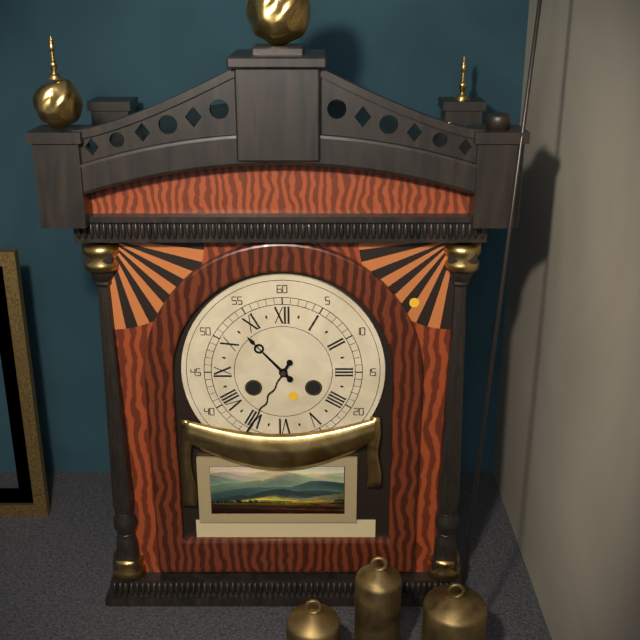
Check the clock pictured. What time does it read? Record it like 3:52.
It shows 10:35
